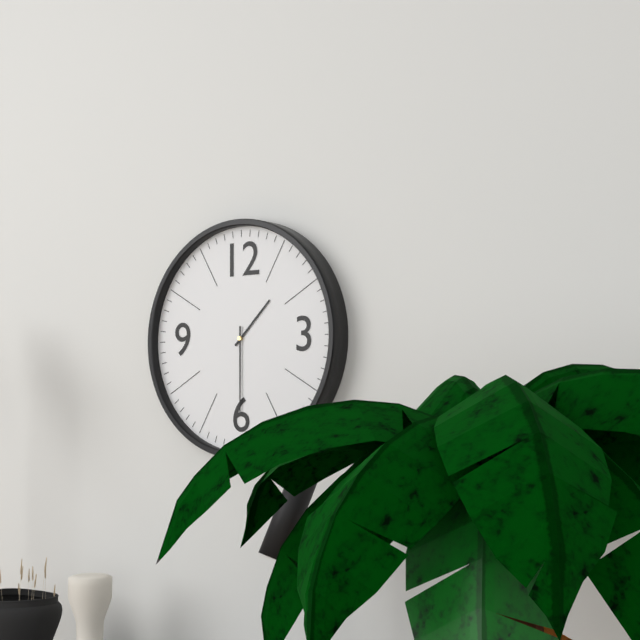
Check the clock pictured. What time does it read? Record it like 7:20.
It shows 1:30
